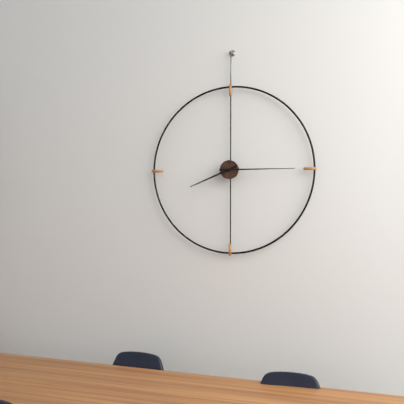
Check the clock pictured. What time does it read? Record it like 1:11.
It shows 8:15
